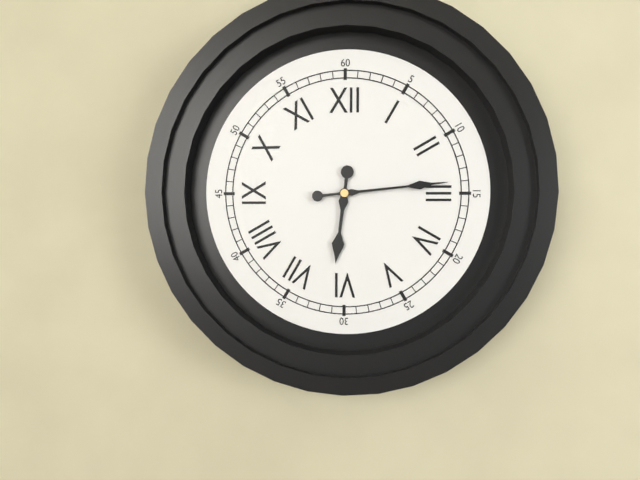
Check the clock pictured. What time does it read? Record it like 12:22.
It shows 6:14
